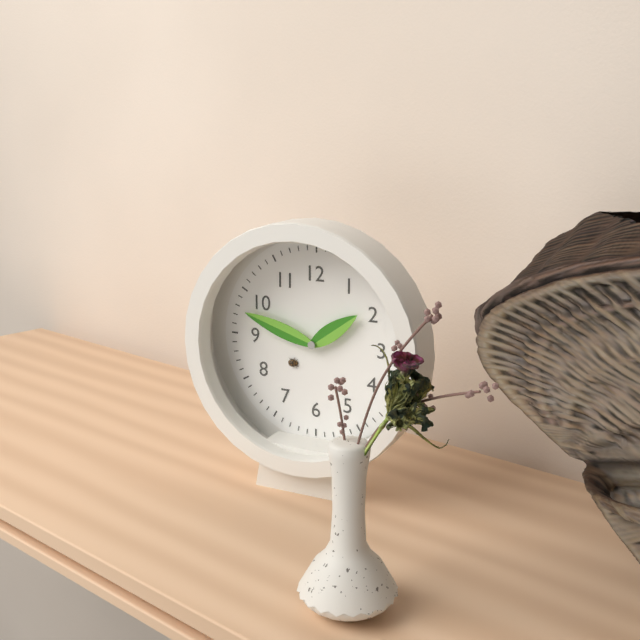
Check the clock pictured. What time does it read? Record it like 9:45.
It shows 1:48
